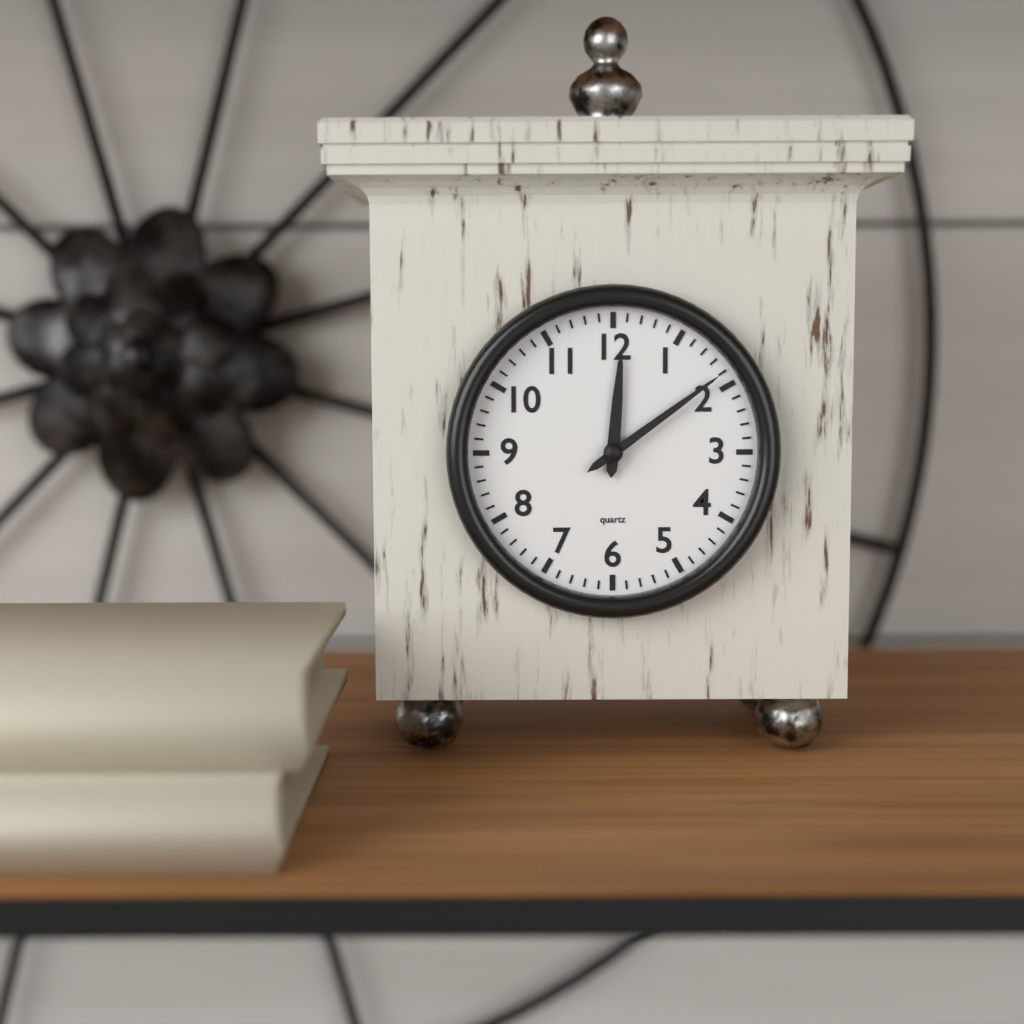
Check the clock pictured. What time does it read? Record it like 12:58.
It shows 12:09
